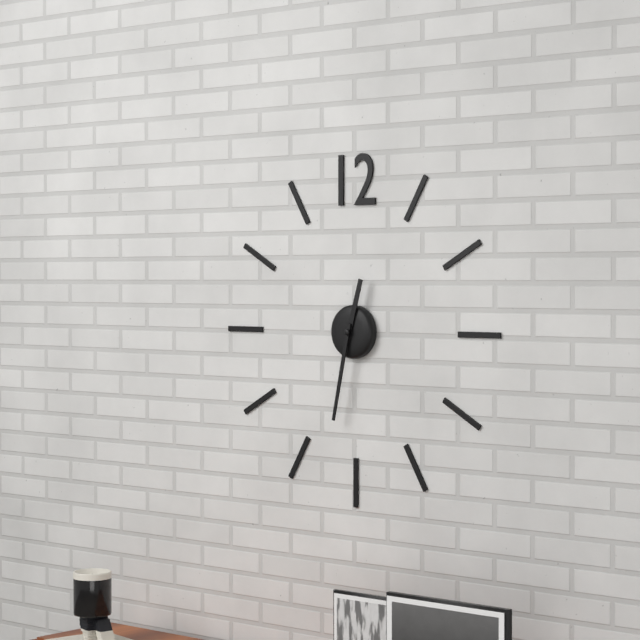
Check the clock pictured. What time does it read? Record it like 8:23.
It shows 12:32
